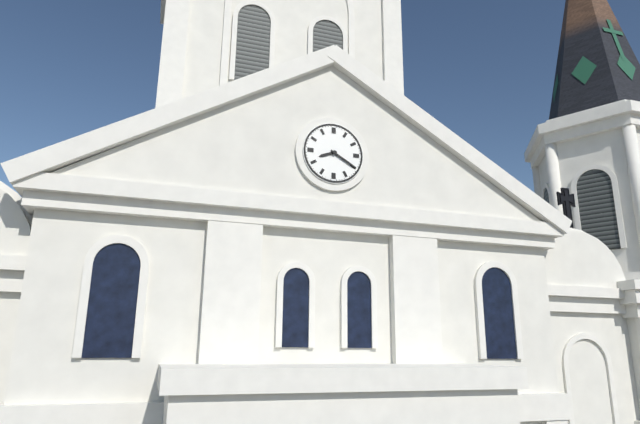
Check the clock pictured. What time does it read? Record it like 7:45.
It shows 8:20
